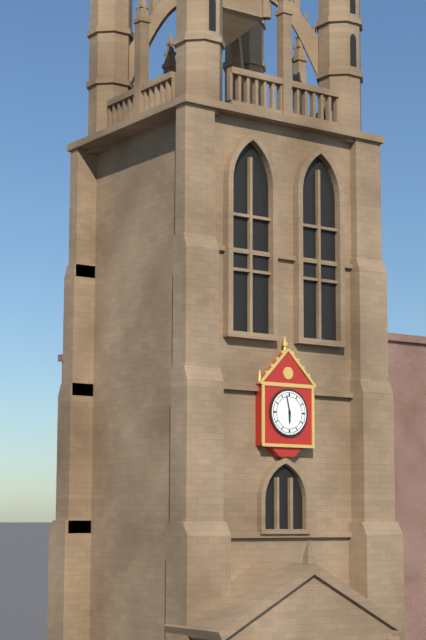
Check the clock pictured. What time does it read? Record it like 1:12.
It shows 5:58
